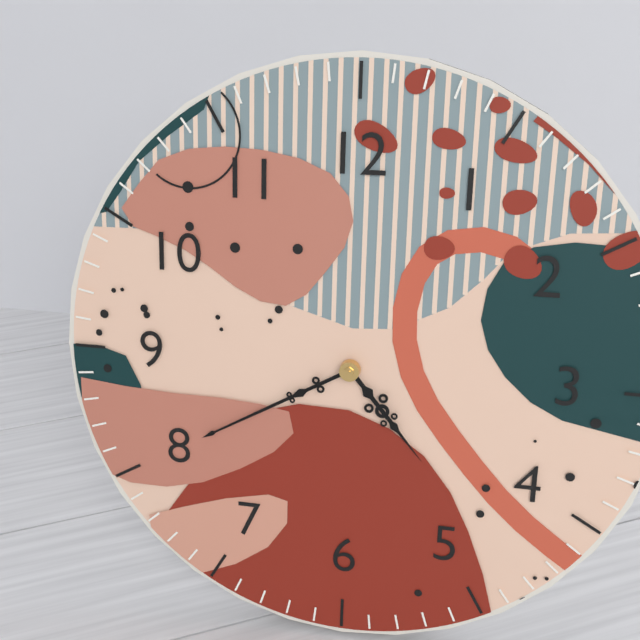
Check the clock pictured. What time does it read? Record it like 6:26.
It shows 4:40
